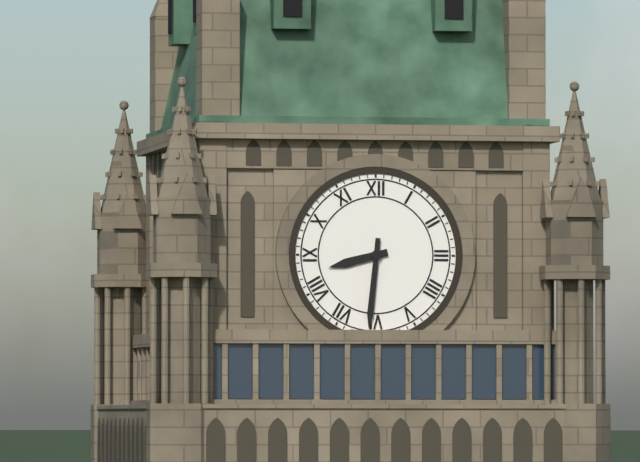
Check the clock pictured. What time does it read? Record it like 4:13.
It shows 8:31
